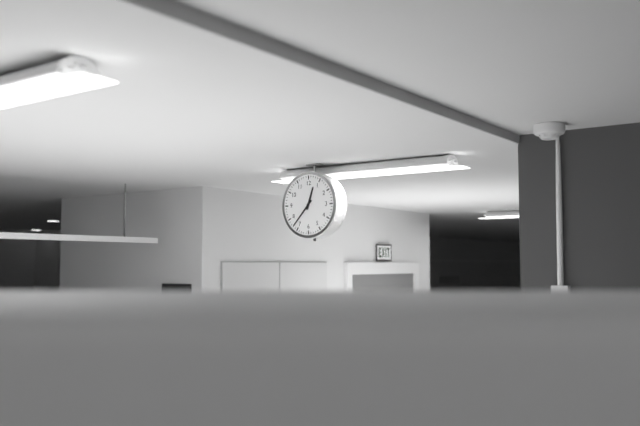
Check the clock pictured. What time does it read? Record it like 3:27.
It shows 12:37
